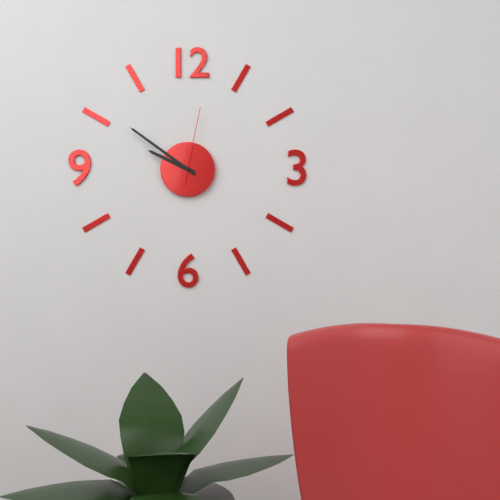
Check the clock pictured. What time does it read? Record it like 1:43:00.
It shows 9:51:02
